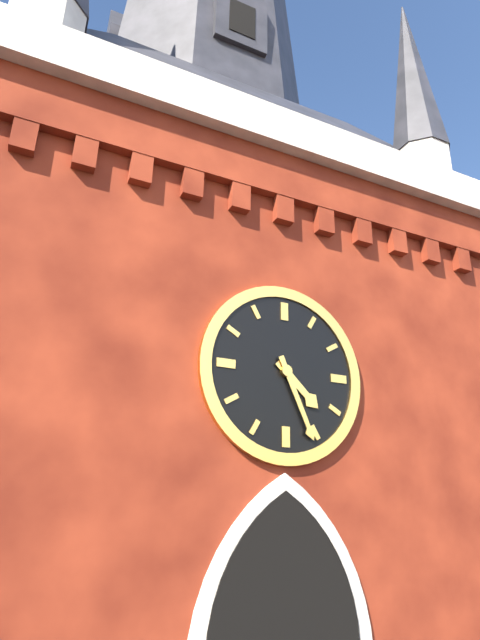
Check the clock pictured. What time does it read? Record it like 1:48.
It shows 4:26
